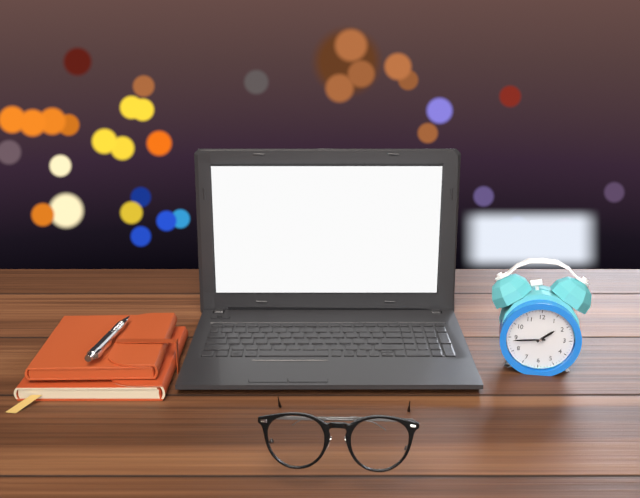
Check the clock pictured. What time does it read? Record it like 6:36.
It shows 1:44
